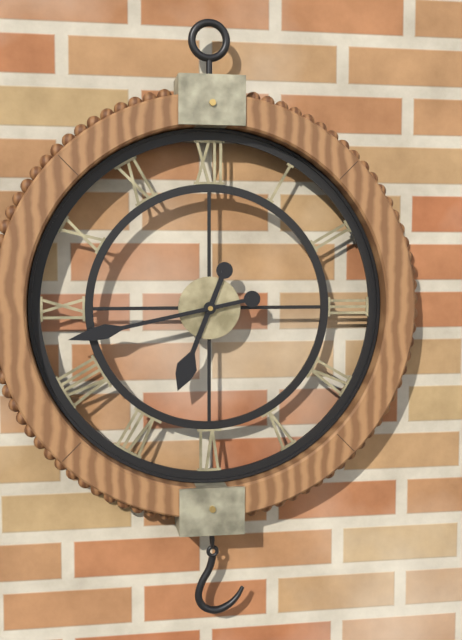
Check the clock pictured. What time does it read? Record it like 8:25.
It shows 6:43
